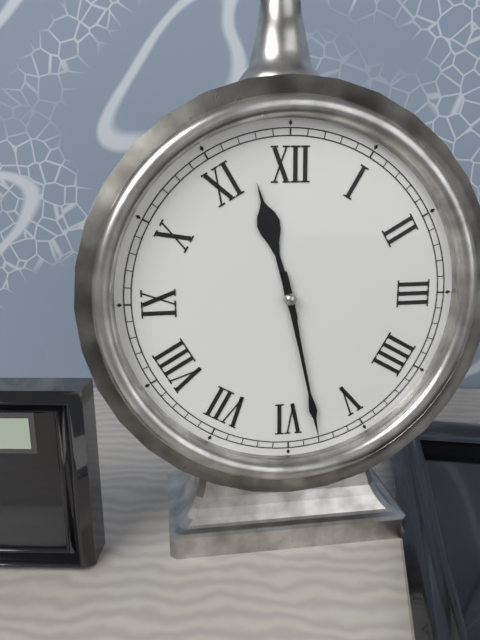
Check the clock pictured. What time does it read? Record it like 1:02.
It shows 11:28
